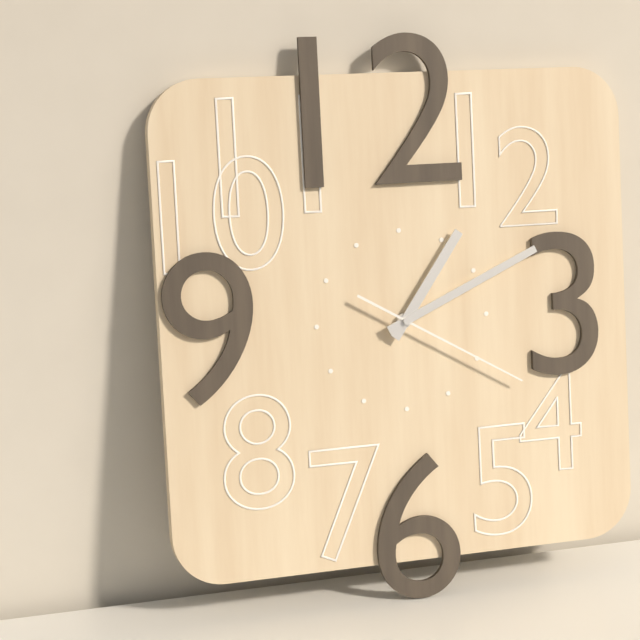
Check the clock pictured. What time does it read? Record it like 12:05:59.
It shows 1:11:20
